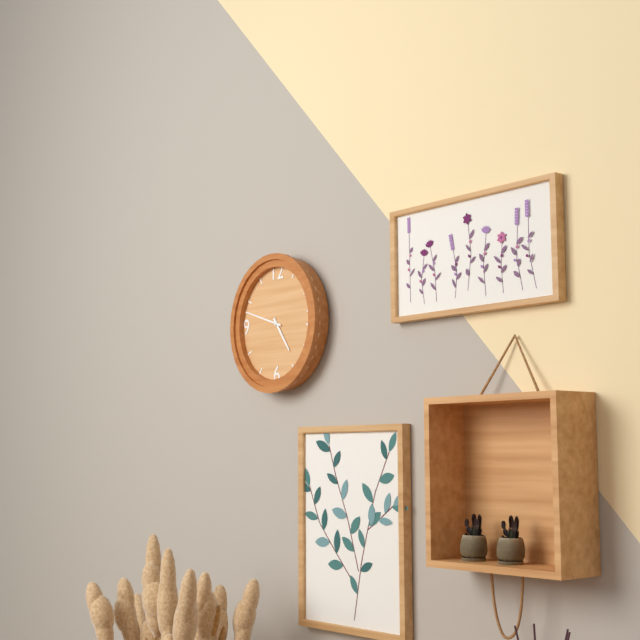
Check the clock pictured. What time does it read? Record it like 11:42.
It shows 4:48
